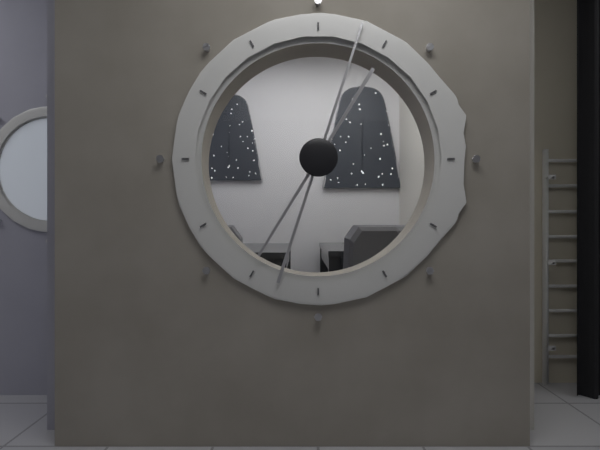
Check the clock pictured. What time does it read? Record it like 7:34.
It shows 7:03
